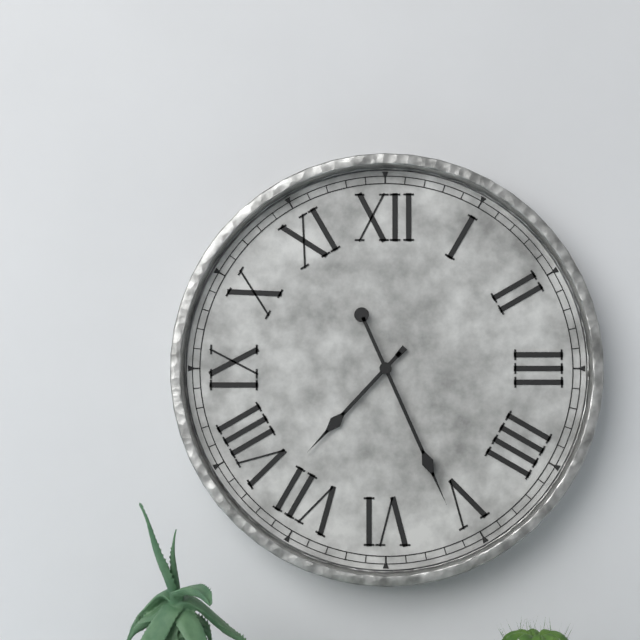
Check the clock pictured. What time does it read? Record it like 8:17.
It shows 7:26
